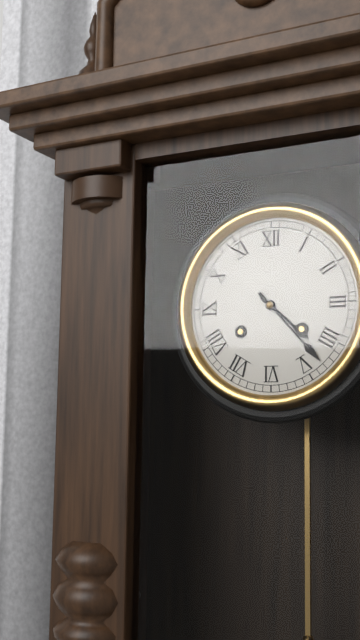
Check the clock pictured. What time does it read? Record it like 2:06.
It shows 4:23
